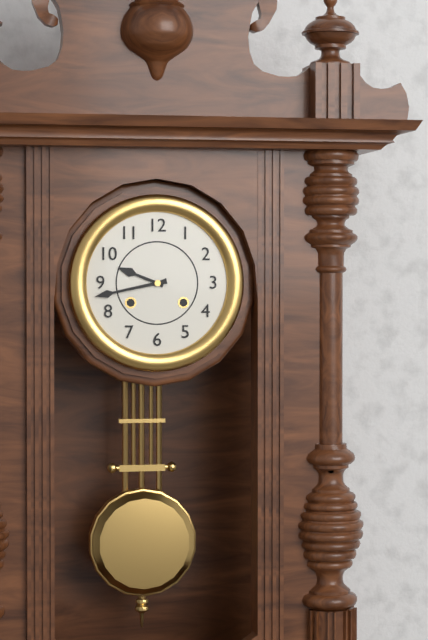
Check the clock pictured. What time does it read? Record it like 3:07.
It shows 9:43
